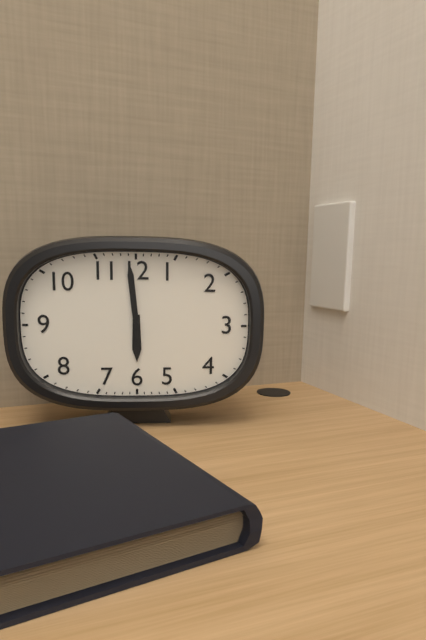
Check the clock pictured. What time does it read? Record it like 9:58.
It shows 5:59
